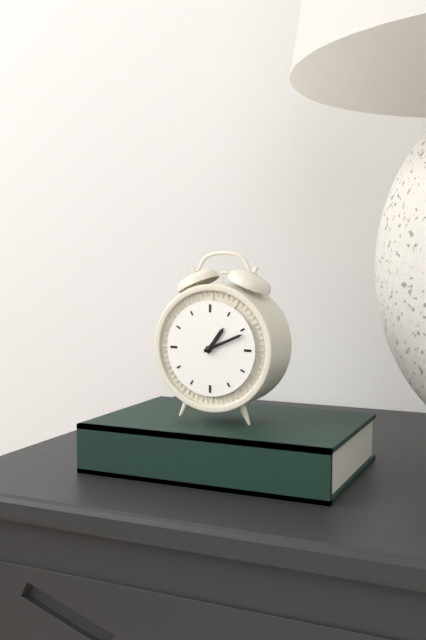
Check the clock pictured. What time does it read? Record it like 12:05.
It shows 1:11
